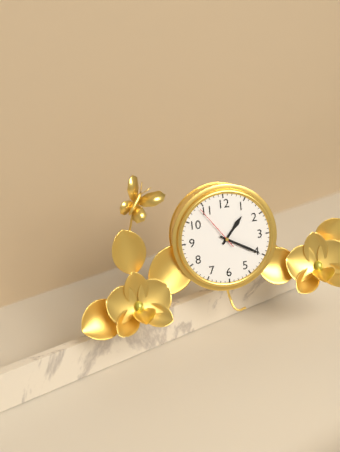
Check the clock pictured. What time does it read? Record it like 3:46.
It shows 1:20
